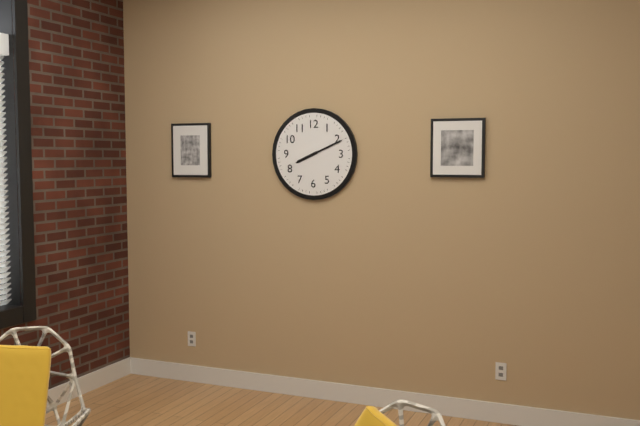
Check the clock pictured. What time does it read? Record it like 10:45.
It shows 8:11
